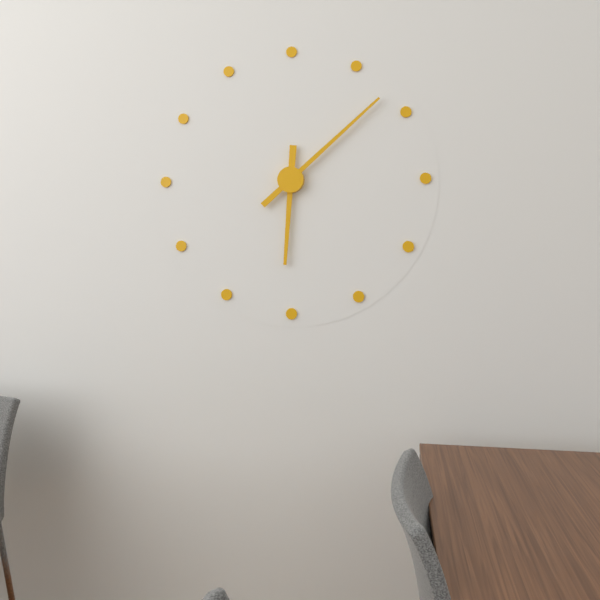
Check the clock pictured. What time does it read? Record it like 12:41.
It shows 6:08
